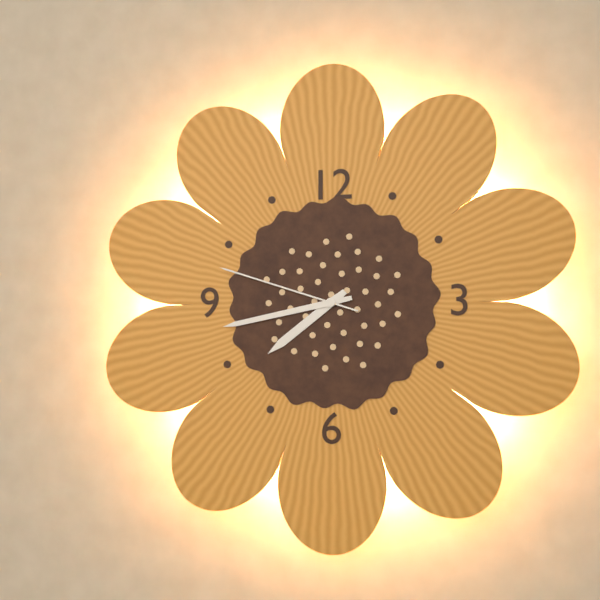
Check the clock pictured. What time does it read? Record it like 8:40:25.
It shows 7:43:48
